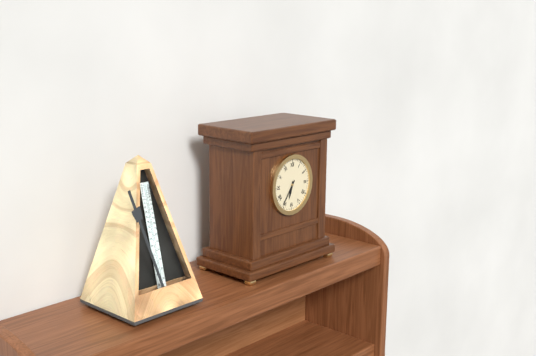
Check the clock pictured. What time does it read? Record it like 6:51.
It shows 6:36
